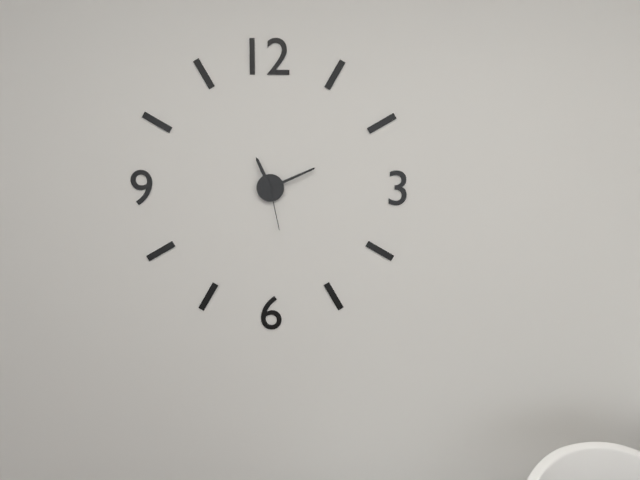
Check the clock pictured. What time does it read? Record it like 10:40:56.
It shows 11:11:28
